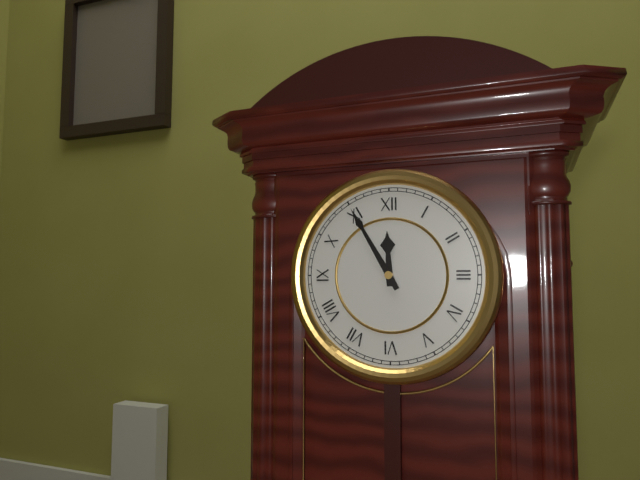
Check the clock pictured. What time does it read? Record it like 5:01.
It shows 11:55
